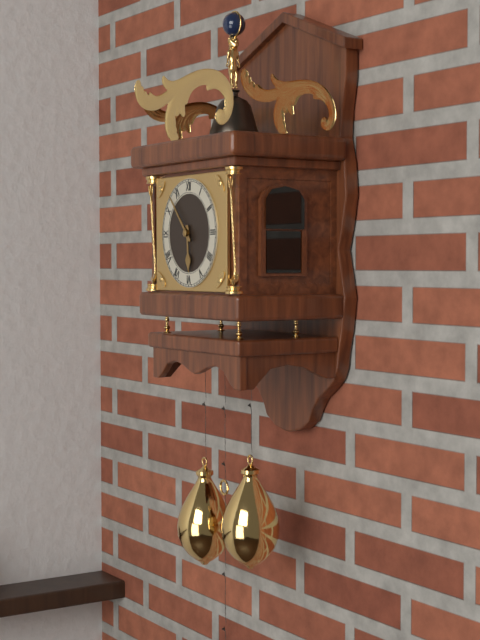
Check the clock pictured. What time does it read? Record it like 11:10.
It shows 5:53
